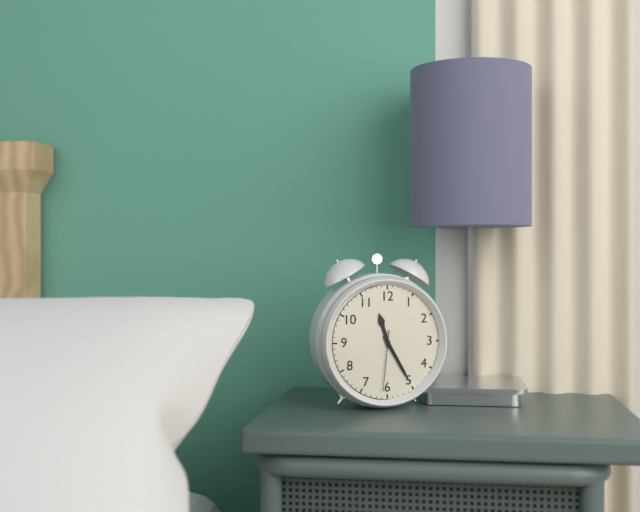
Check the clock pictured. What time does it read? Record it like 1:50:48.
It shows 11:25:31
